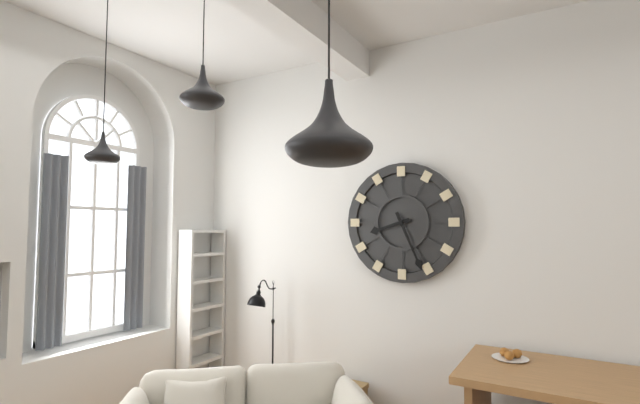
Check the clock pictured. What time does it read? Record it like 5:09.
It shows 8:26
